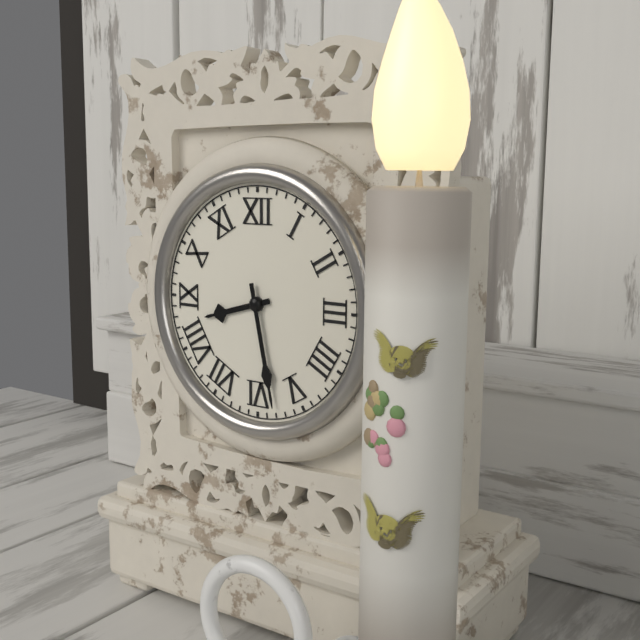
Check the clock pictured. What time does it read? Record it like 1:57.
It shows 8:28
